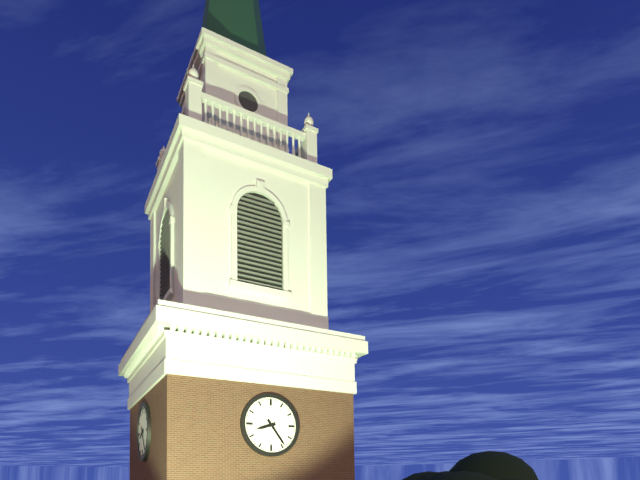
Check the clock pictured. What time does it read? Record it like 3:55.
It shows 8:24
